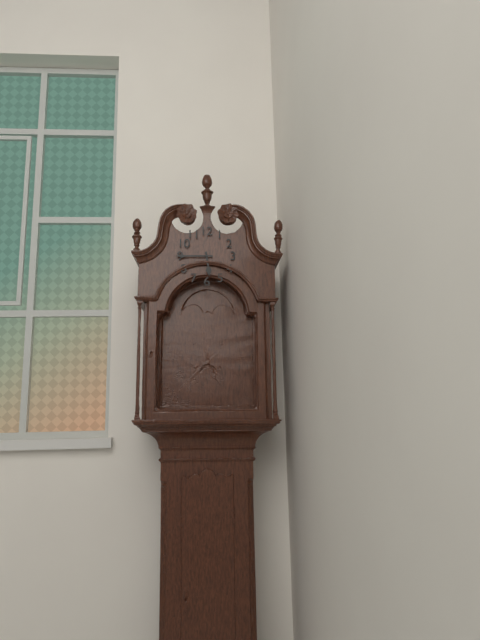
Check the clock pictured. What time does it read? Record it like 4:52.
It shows 5:45
